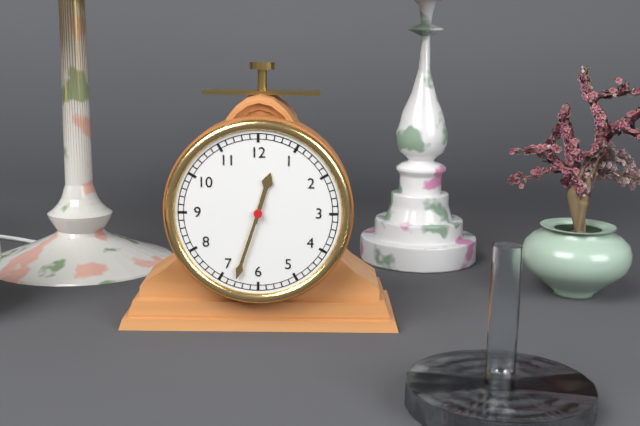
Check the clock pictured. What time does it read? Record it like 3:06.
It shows 12:33
